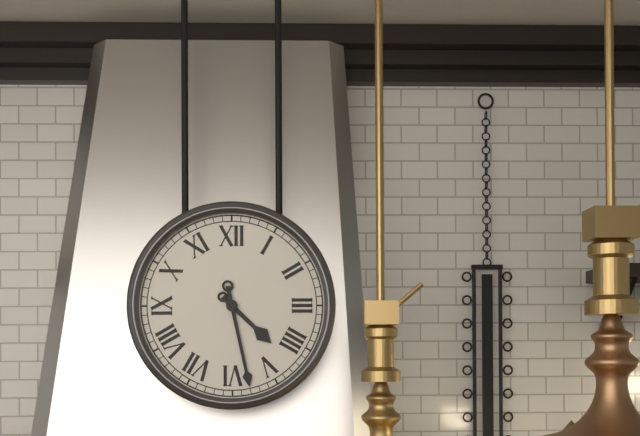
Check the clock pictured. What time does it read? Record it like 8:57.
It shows 4:28
